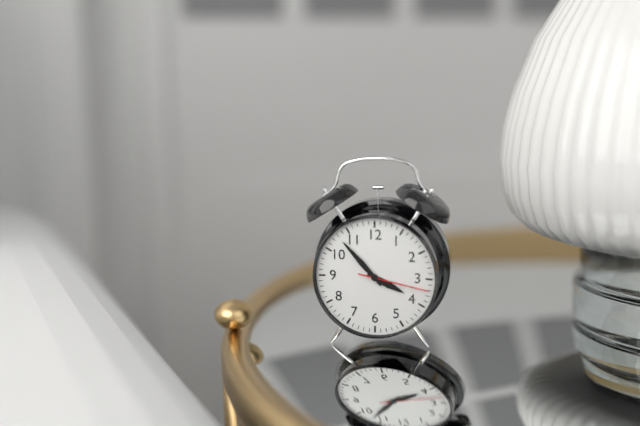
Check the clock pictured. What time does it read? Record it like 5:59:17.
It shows 3:53:17
